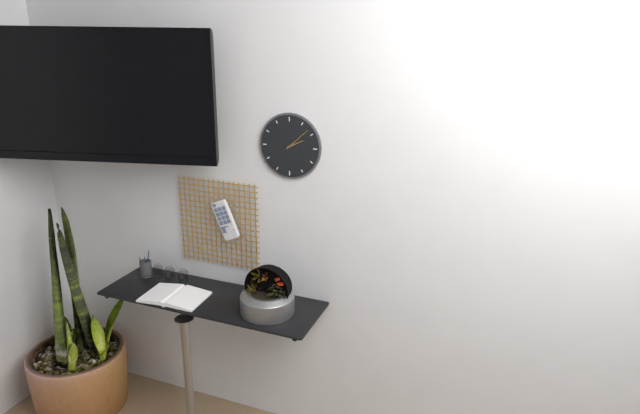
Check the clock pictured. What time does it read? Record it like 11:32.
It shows 2:08
